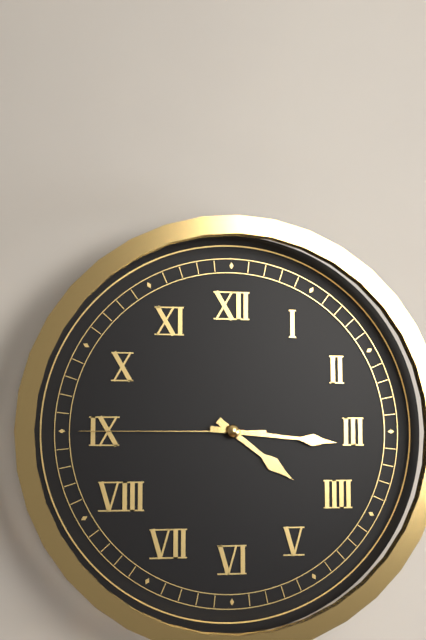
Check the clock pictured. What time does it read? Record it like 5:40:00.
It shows 4:16:45
